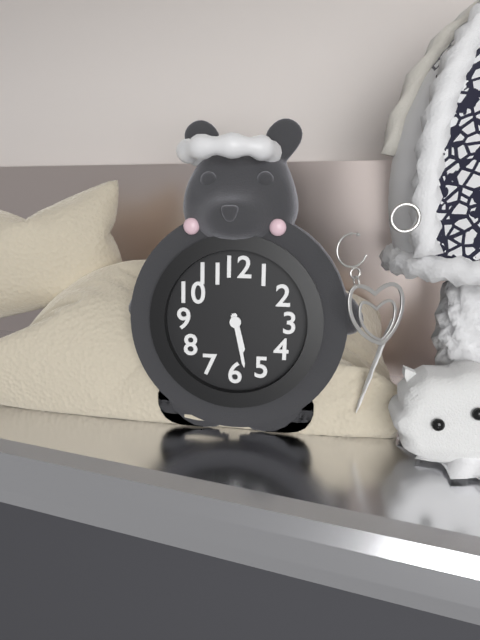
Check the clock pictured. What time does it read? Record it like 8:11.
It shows 5:28
